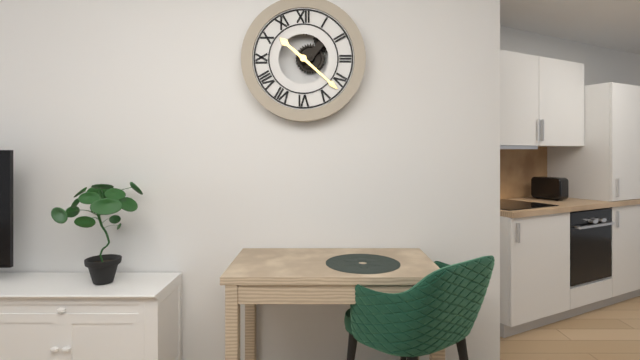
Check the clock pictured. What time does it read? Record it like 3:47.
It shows 10:22
